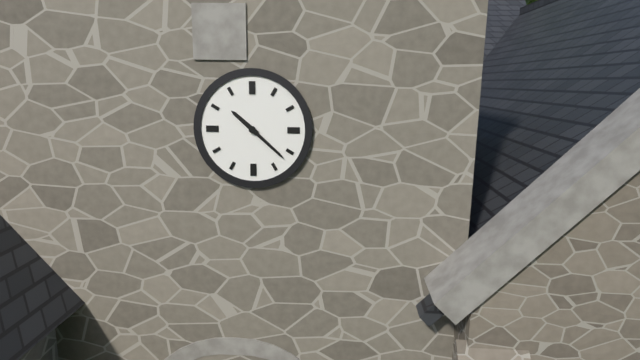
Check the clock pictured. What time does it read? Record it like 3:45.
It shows 10:22
